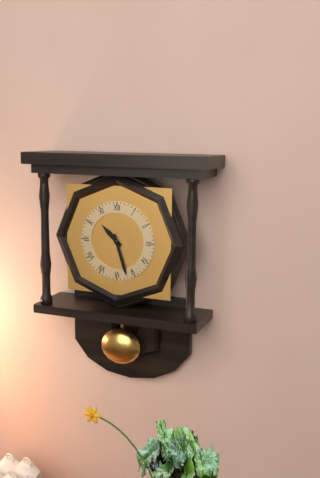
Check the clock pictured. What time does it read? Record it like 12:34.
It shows 10:27
